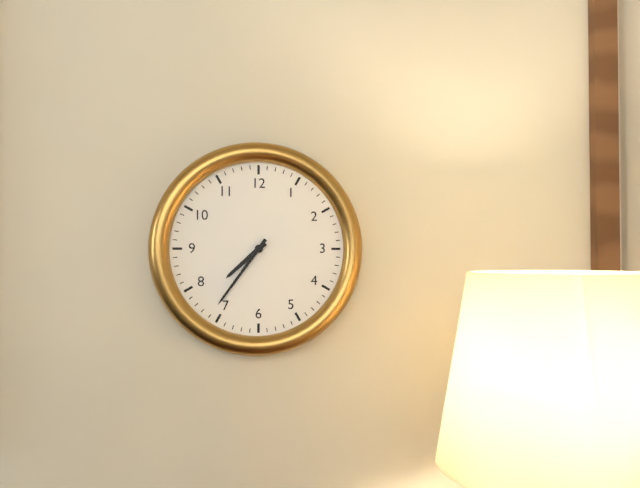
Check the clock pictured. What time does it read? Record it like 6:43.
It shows 7:36
